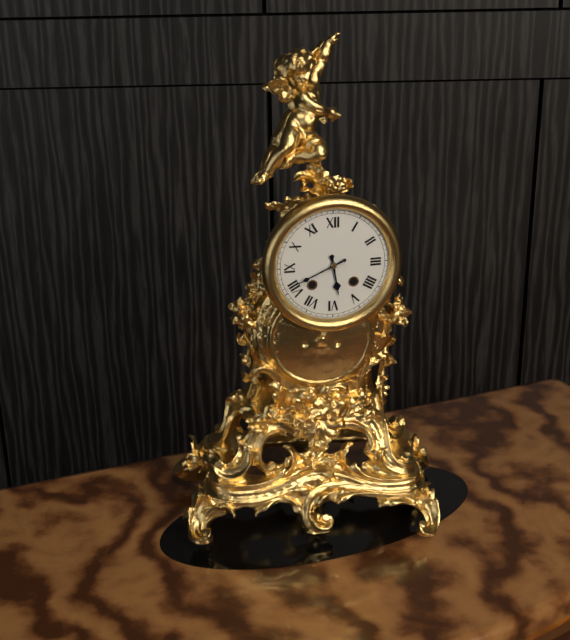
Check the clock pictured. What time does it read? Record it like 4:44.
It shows 5:41
